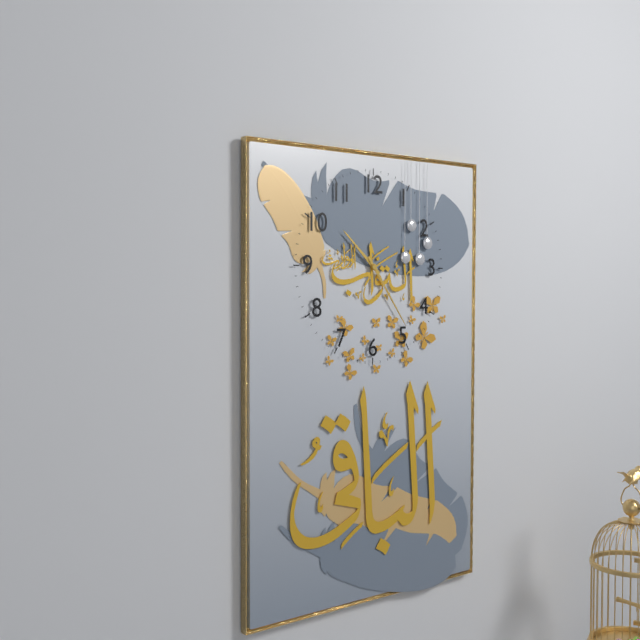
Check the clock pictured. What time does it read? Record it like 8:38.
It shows 10:24
